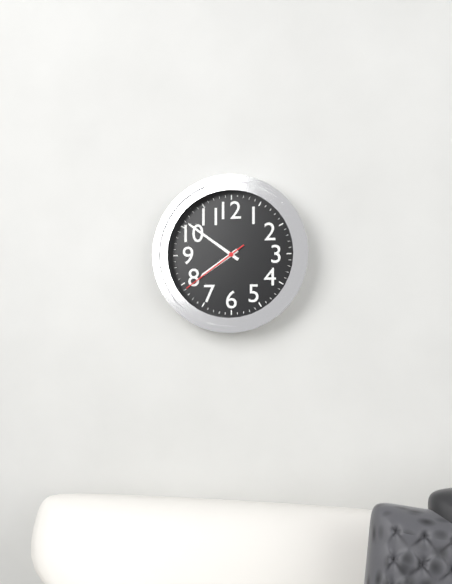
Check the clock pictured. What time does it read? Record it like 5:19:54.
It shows 7:51:39
